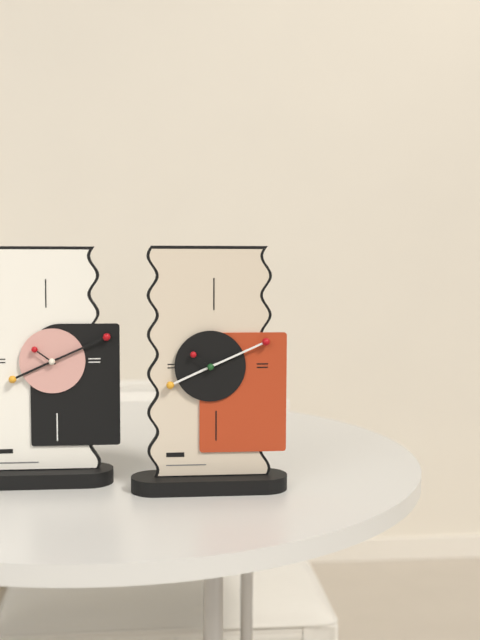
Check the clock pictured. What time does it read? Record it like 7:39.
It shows 8:11
